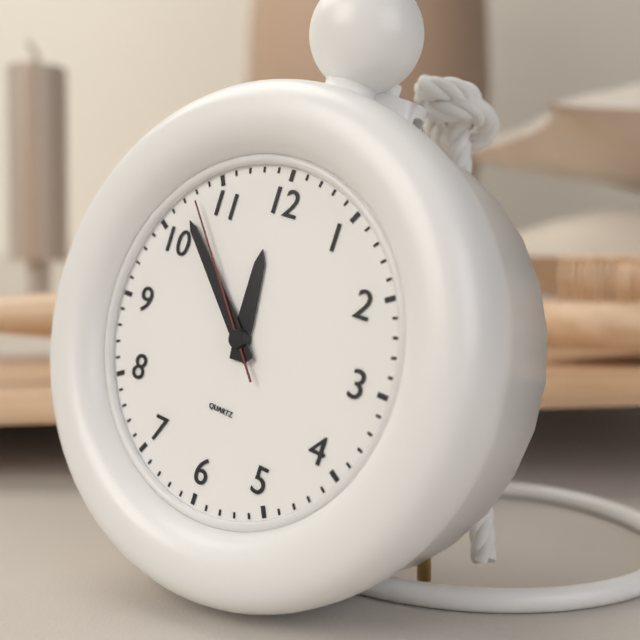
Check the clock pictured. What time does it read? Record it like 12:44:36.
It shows 11:52:53
